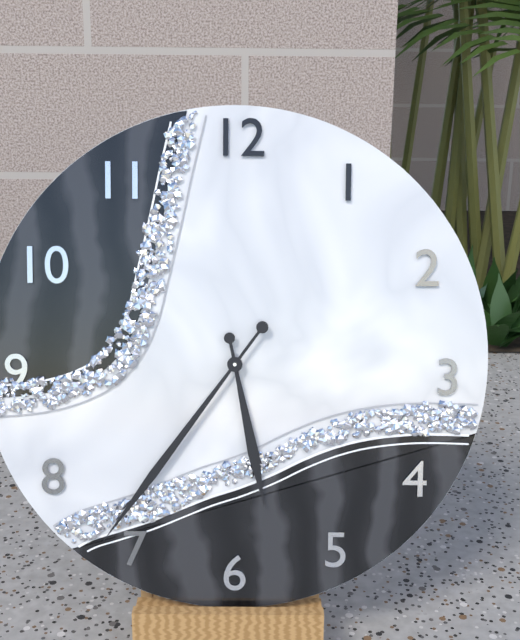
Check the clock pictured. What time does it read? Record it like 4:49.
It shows 5:36
